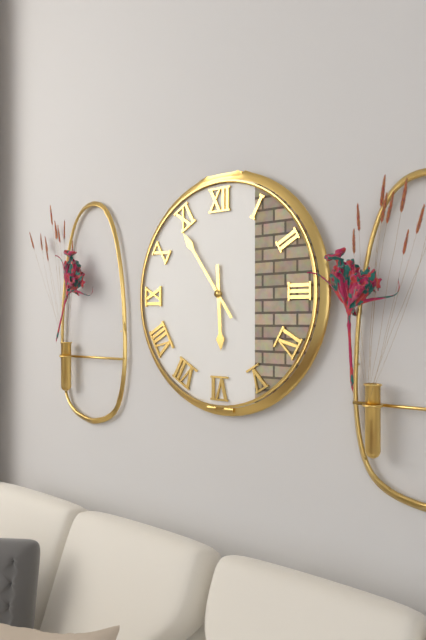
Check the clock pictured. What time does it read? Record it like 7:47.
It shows 5:54
